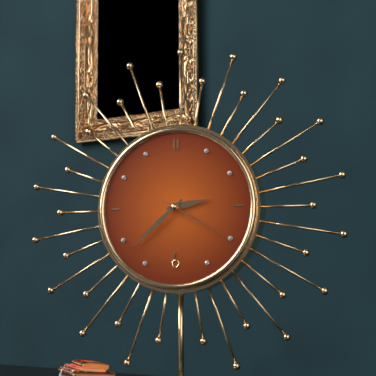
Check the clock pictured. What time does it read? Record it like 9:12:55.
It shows 2:38:20
